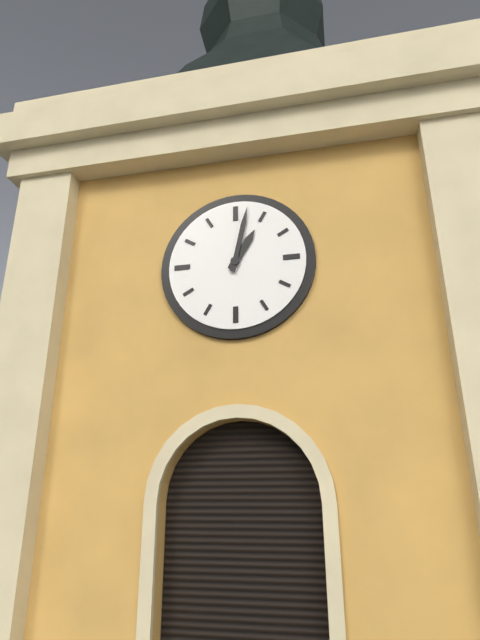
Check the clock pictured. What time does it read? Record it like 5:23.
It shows 1:02
